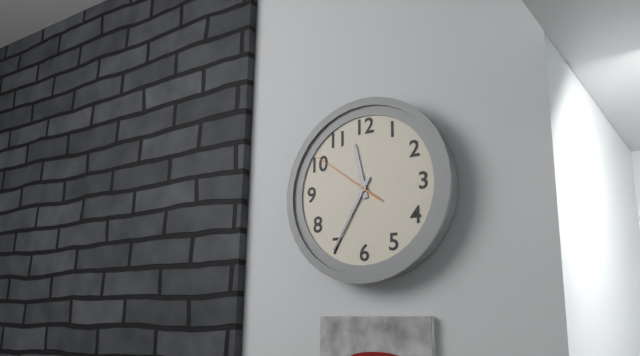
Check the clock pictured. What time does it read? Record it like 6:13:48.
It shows 11:35:51
